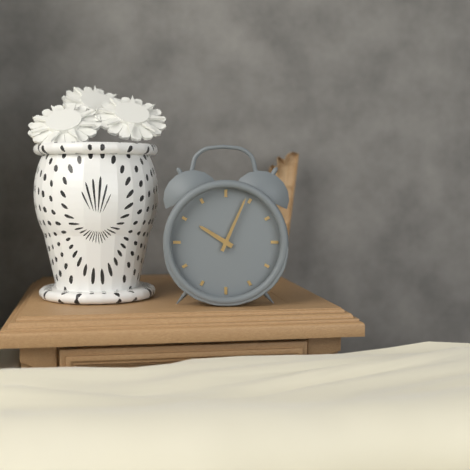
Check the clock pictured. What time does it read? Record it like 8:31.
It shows 10:04
